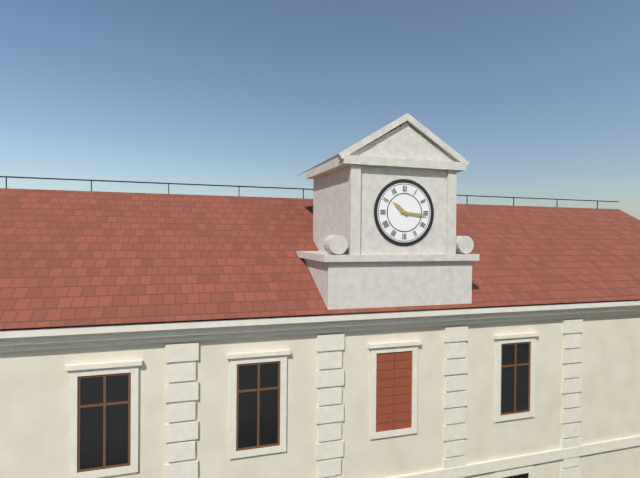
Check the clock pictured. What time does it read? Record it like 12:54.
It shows 10:16
